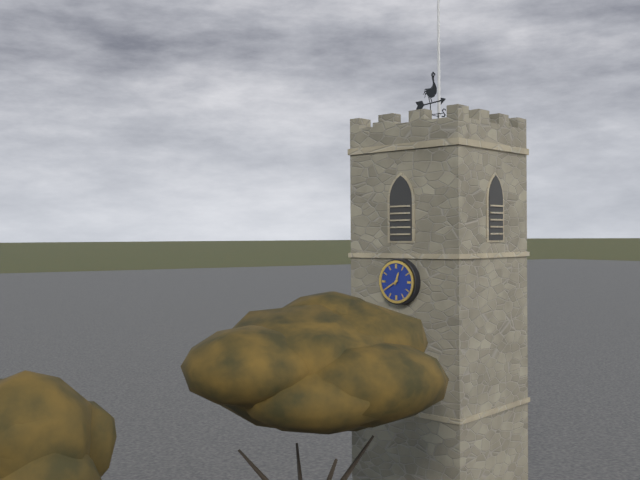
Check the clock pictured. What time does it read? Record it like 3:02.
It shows 12:40
